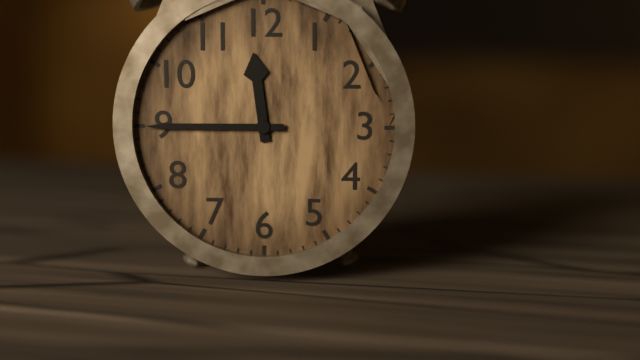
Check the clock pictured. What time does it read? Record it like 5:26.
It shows 11:45
